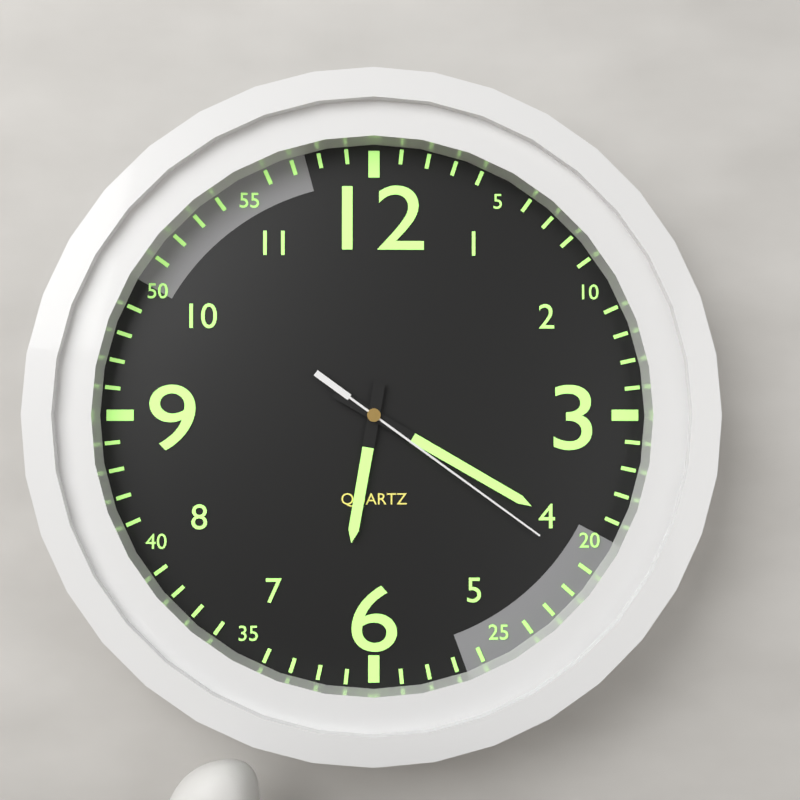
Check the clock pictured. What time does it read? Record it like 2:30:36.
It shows 6:20:21
